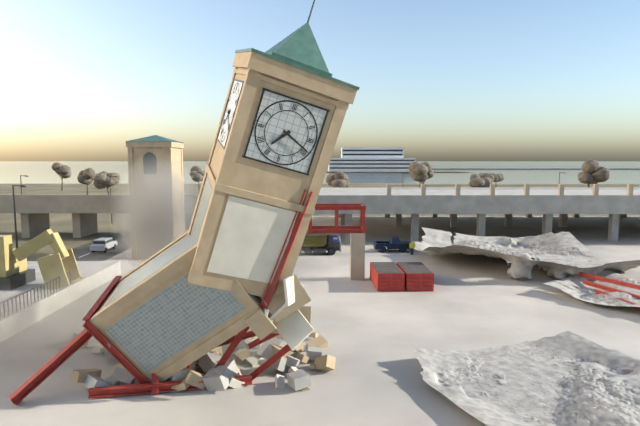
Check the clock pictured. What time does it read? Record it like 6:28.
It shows 7:19
